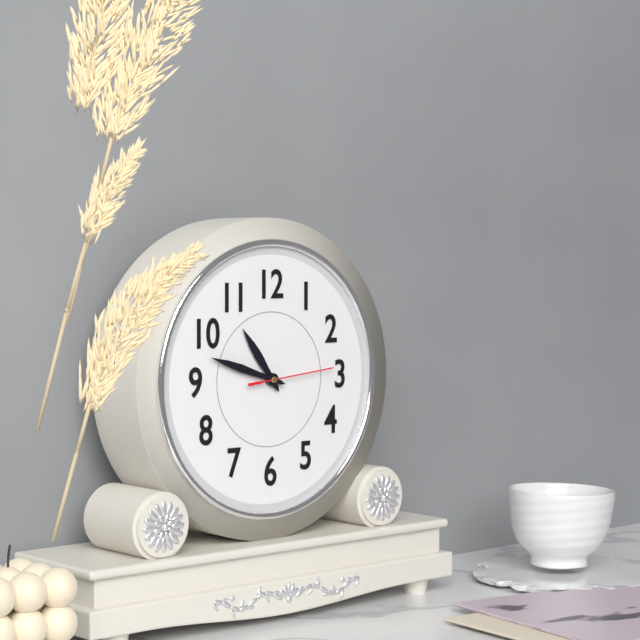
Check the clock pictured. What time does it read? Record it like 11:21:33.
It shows 10:48:14
